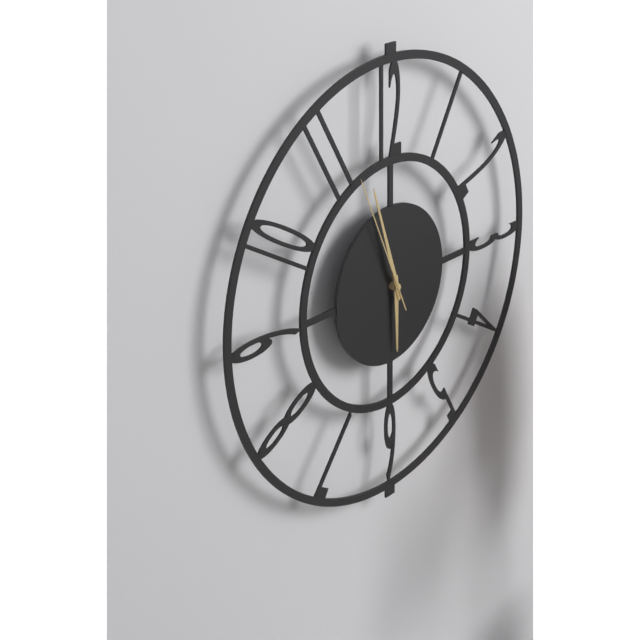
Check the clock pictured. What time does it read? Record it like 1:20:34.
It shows 5:57:56
